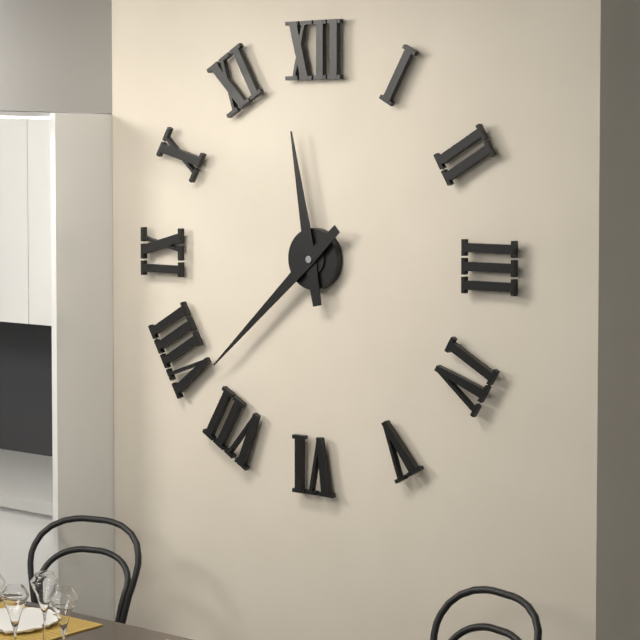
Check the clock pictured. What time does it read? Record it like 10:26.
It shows 11:38
